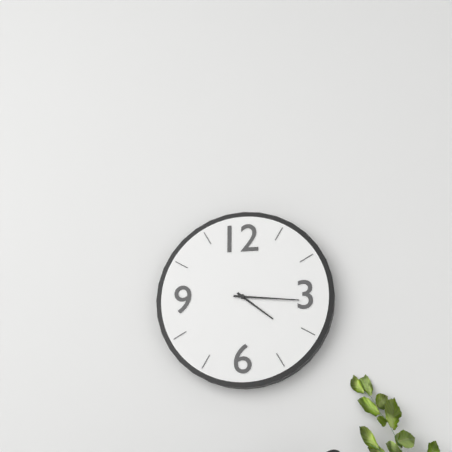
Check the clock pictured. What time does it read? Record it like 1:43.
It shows 4:16
